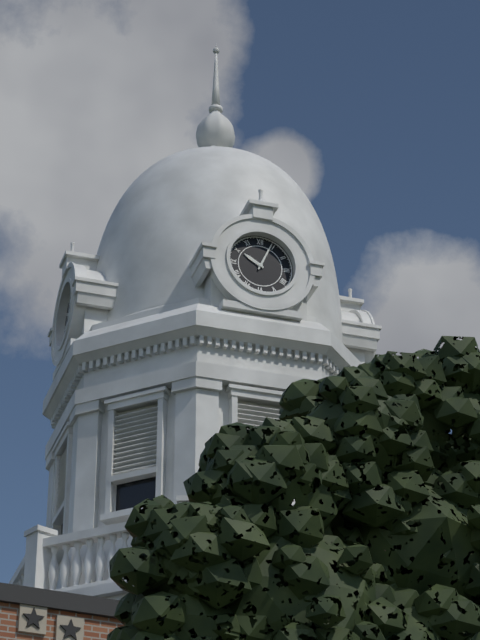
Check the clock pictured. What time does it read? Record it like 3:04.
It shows 10:04
